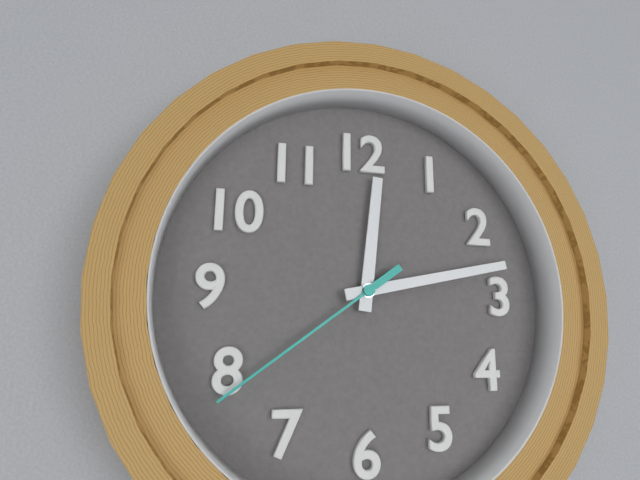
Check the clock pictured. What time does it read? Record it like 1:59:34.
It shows 12:13:39
